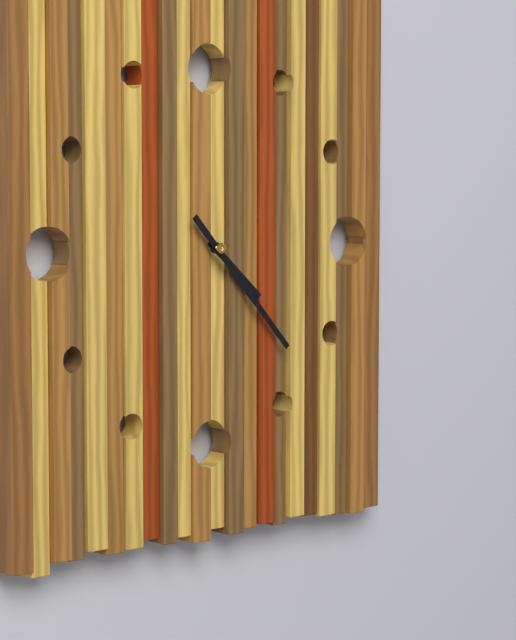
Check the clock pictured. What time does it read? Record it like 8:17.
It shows 4:23
